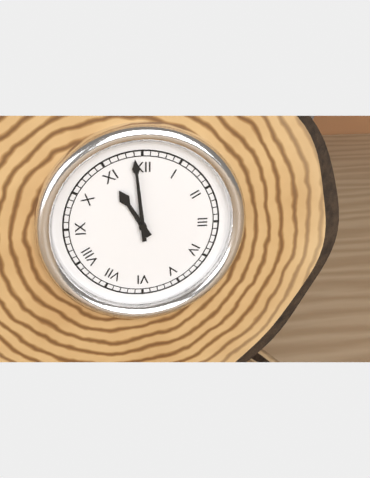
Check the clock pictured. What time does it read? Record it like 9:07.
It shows 10:59
